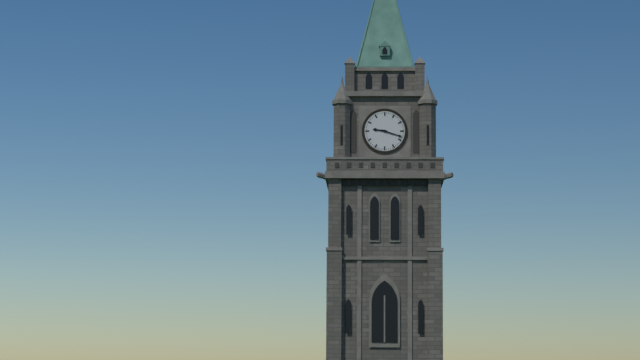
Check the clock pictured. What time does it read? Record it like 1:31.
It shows 9:18
